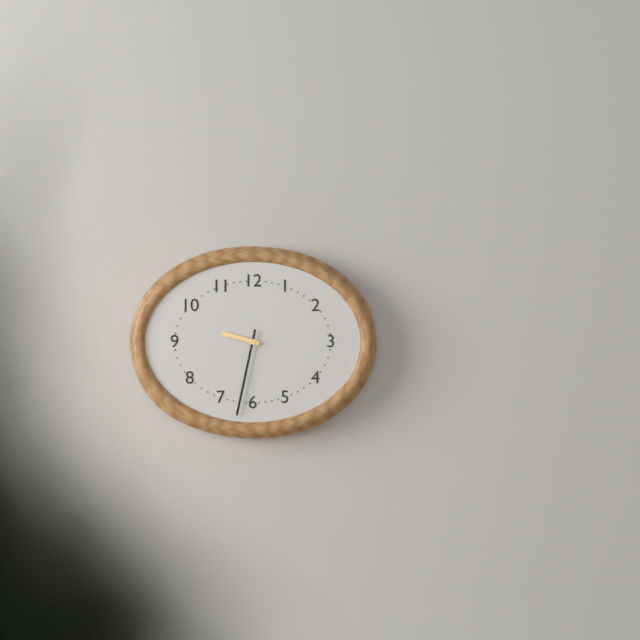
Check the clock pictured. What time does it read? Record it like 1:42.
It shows 9:32
